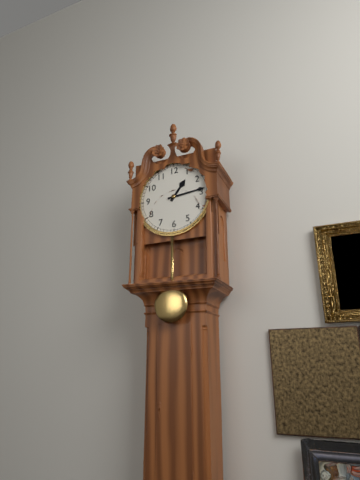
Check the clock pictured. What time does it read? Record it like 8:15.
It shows 1:14
